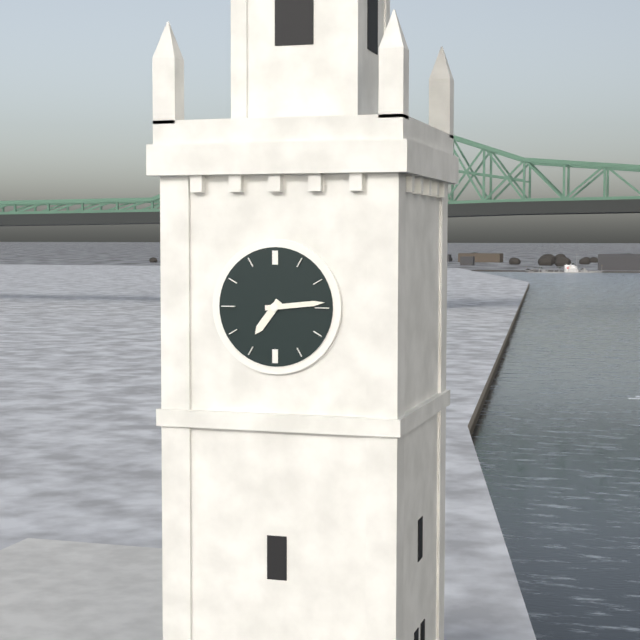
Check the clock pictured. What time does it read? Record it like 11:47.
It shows 7:14
